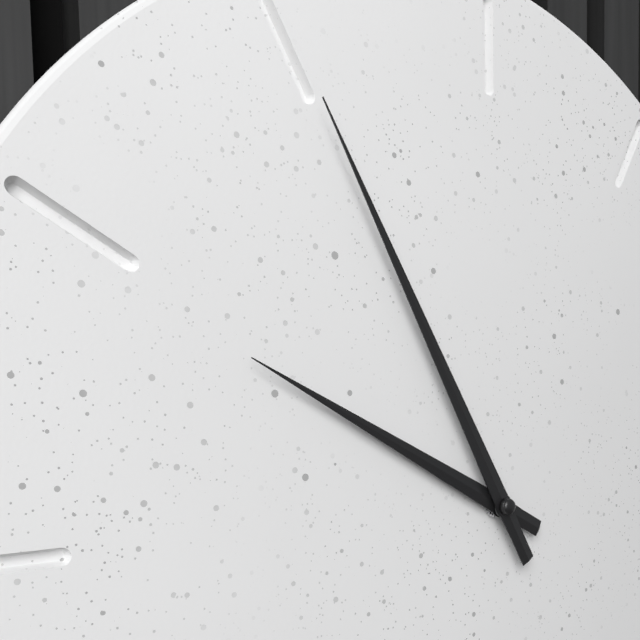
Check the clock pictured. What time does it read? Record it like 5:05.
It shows 9:55
